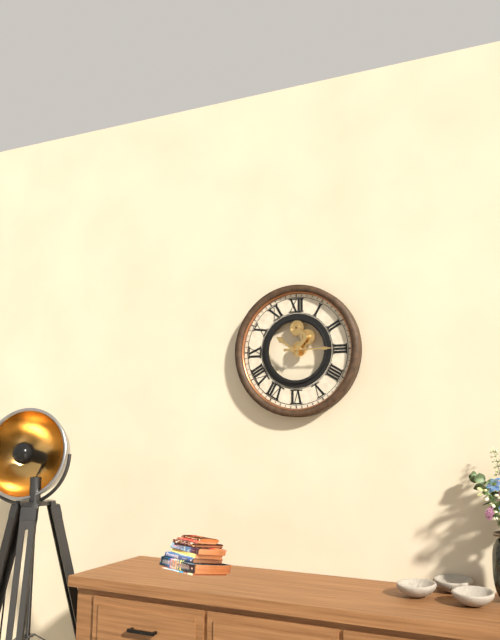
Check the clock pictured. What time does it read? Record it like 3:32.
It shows 10:15
